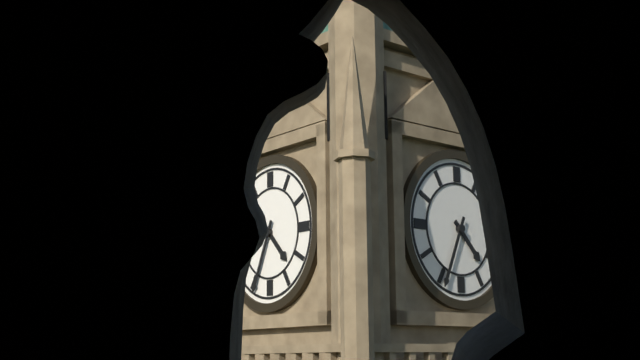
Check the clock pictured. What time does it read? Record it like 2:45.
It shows 4:34
